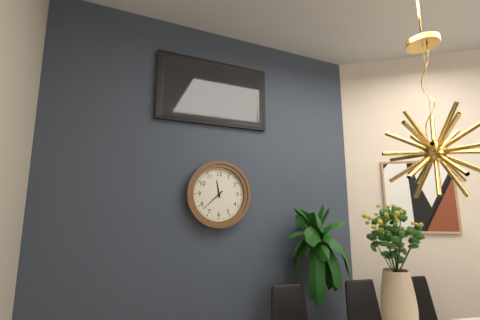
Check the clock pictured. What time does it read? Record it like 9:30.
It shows 11:38
